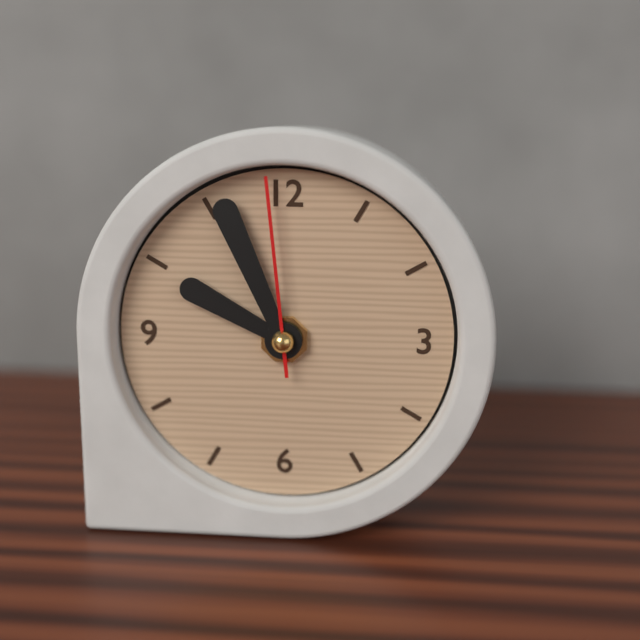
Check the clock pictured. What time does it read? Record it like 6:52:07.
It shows 9:56:59
